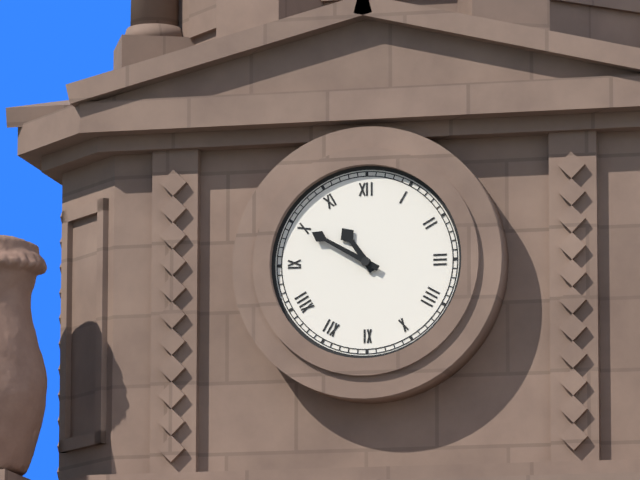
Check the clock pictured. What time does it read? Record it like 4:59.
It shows 10:50
